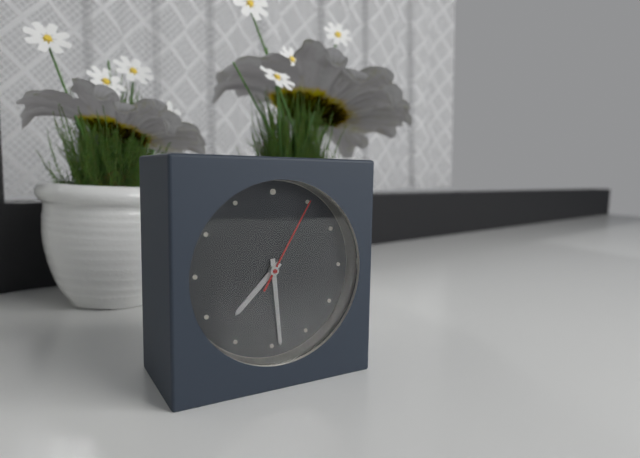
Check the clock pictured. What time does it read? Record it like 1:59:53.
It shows 7:29:05
